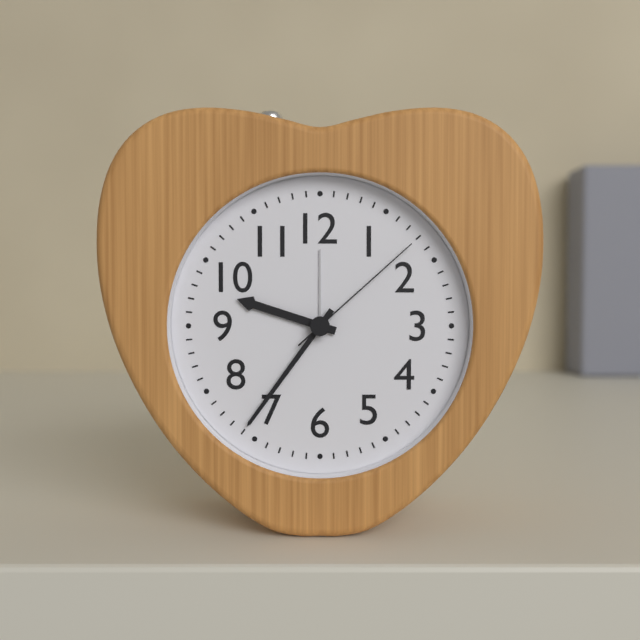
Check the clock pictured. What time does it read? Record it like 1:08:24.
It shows 9:36:08
